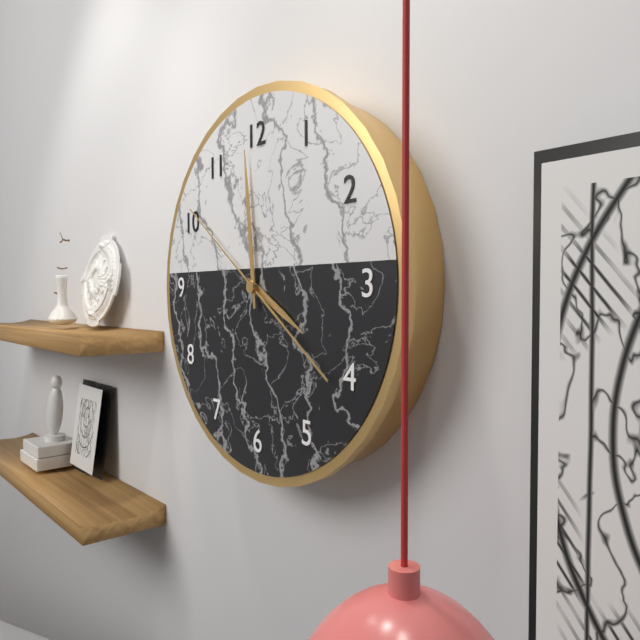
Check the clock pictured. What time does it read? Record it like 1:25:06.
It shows 3:59:51
